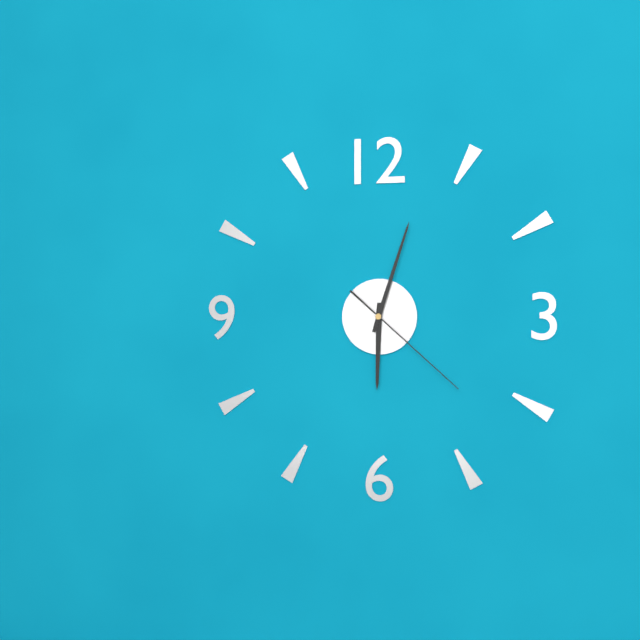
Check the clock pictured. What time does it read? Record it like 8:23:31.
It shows 6:03:22
